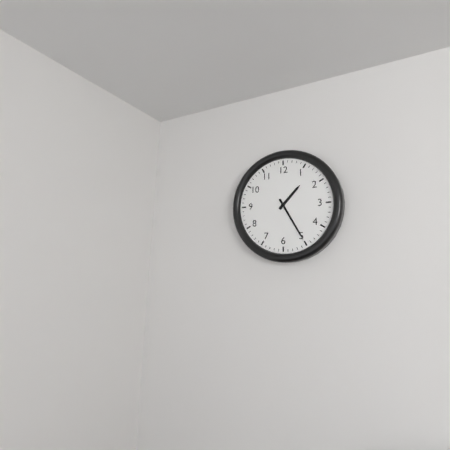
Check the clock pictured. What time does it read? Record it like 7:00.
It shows 1:25
